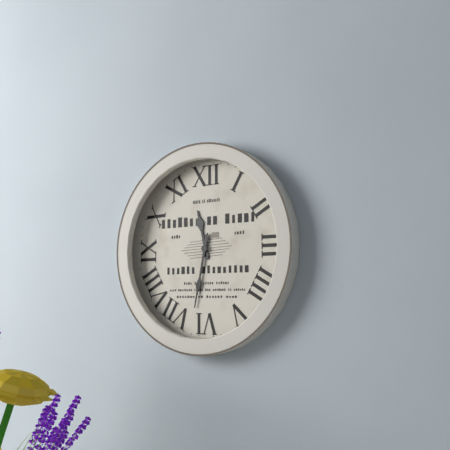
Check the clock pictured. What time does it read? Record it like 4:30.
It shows 11:32
